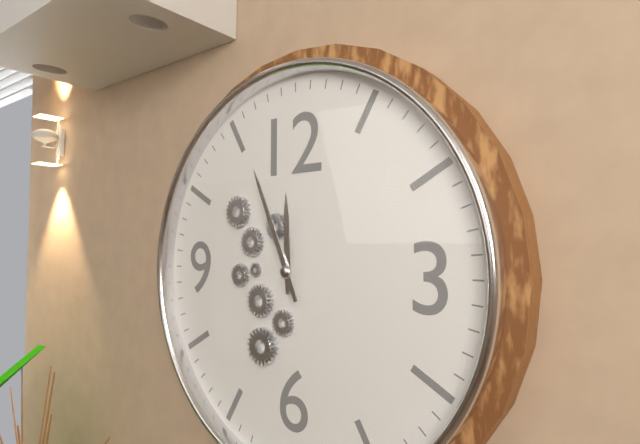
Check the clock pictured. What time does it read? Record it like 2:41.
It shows 11:56
